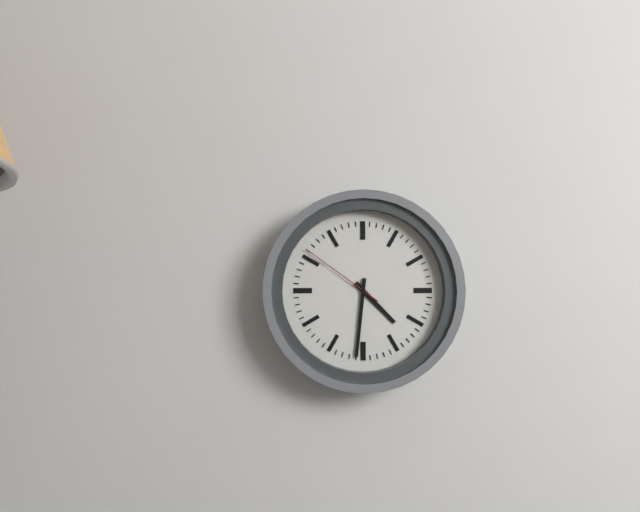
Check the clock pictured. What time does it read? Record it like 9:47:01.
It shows 4:31:51
